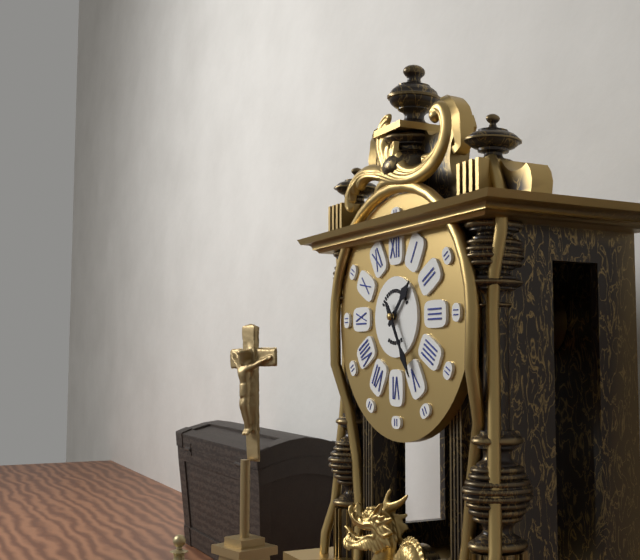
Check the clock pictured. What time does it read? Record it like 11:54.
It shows 1:25
